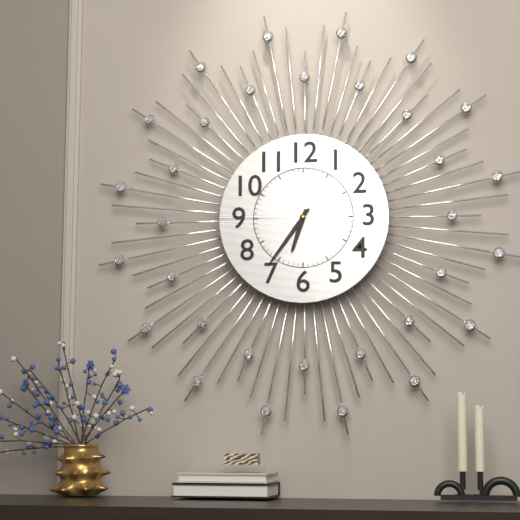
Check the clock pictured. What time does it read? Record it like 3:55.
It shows 6:36
